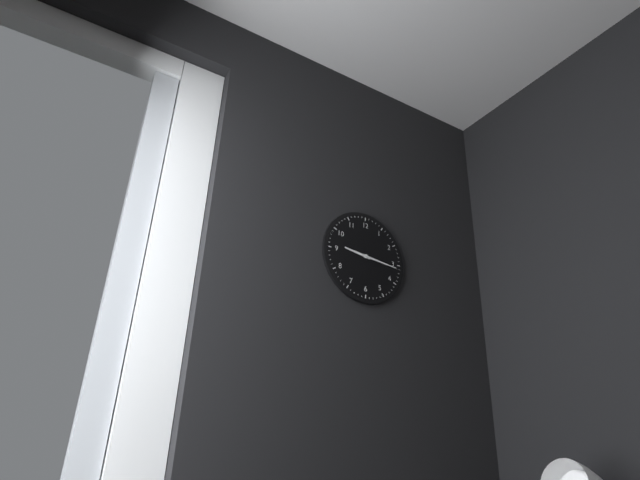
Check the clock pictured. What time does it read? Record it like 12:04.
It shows 9:16
